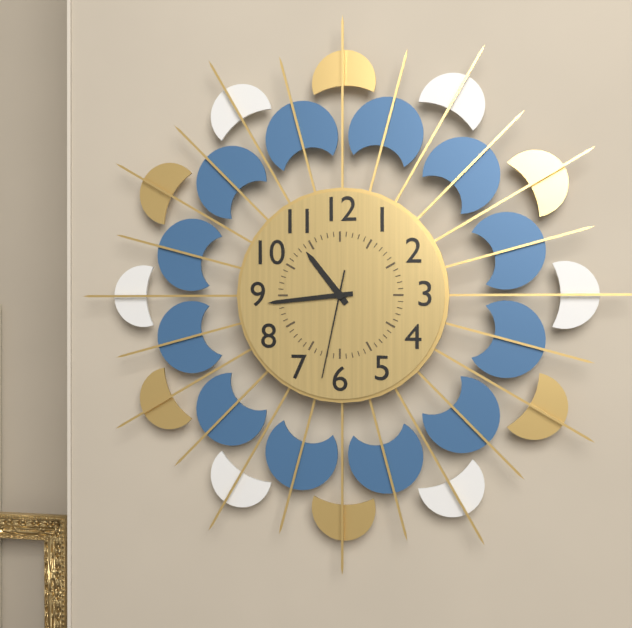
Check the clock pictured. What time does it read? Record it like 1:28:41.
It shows 10:44:32
